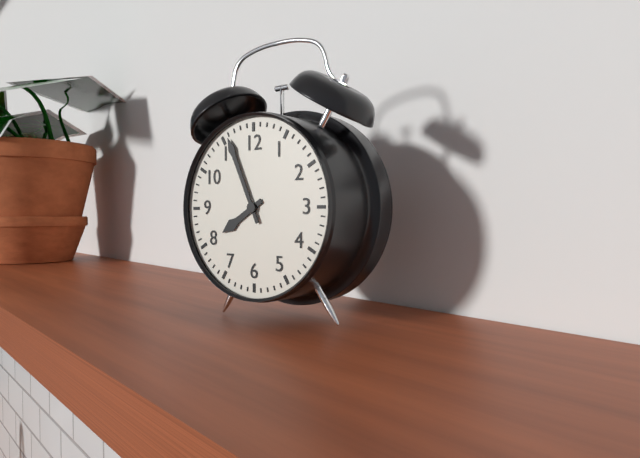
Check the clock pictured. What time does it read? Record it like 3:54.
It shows 7:56
